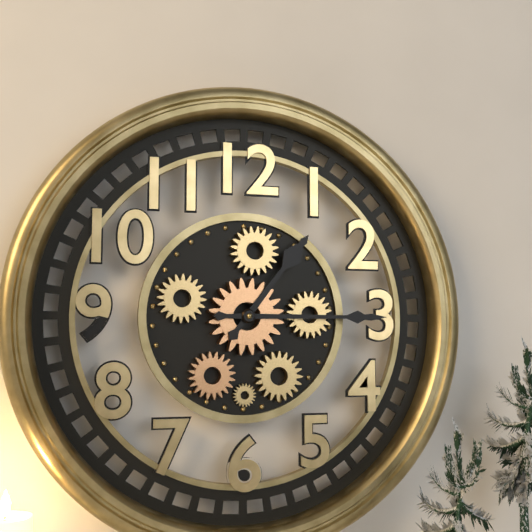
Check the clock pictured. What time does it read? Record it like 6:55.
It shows 1:15
